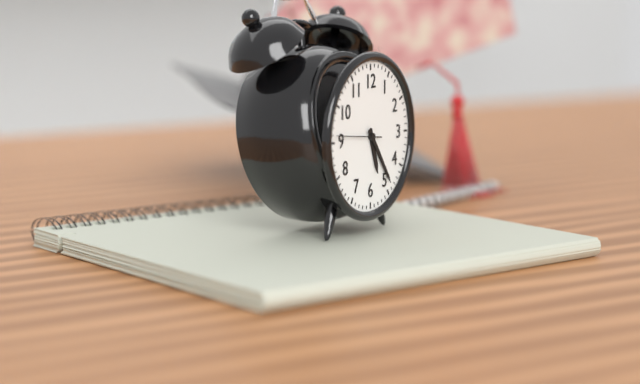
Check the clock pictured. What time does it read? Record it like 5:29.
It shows 5:24
